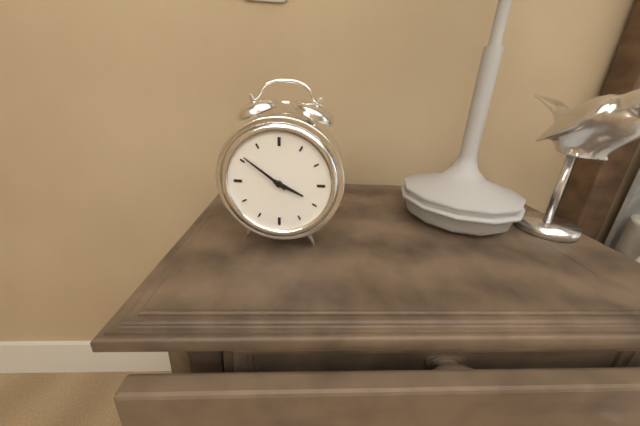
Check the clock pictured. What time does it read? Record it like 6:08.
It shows 3:51
